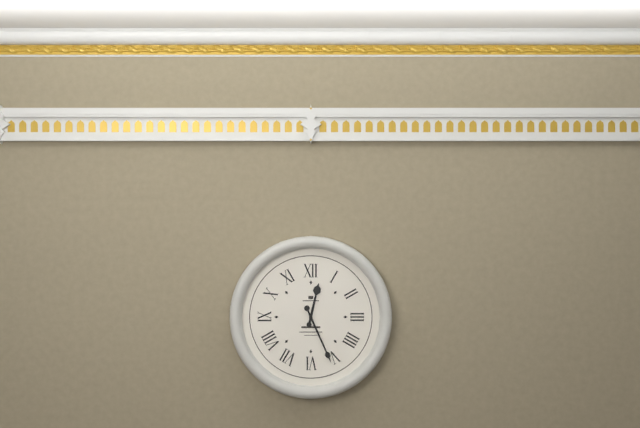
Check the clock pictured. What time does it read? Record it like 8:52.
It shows 12:26
